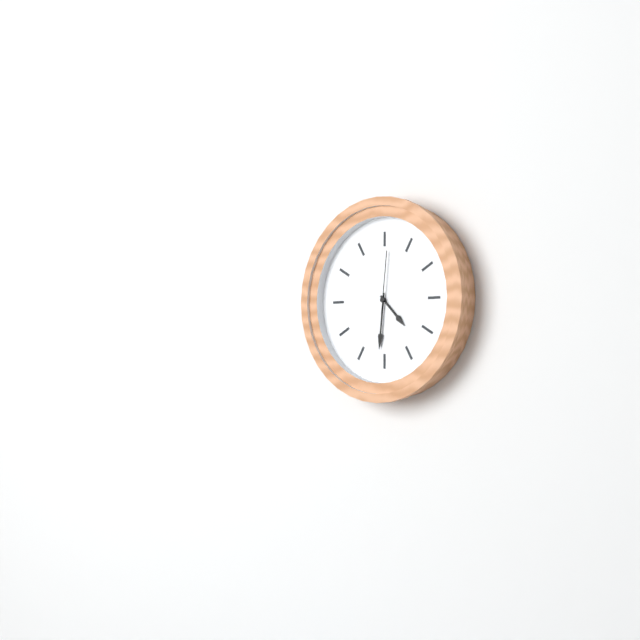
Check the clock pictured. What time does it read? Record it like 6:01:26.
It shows 4:31:01
